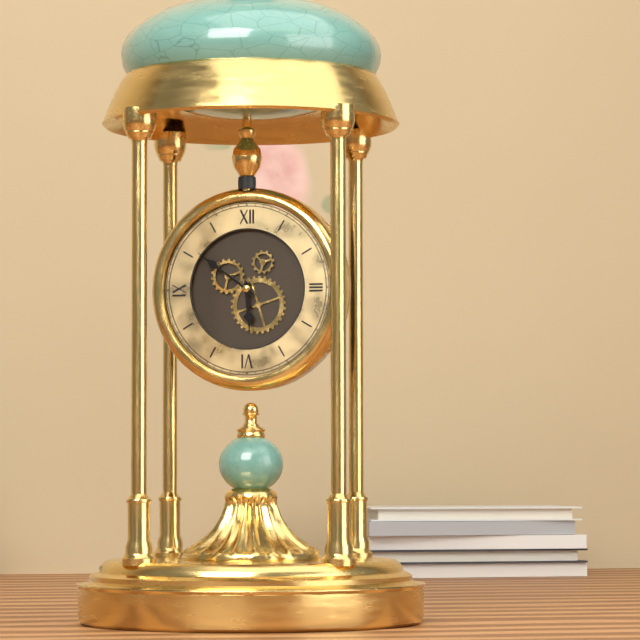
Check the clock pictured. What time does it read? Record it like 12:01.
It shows 5:51
